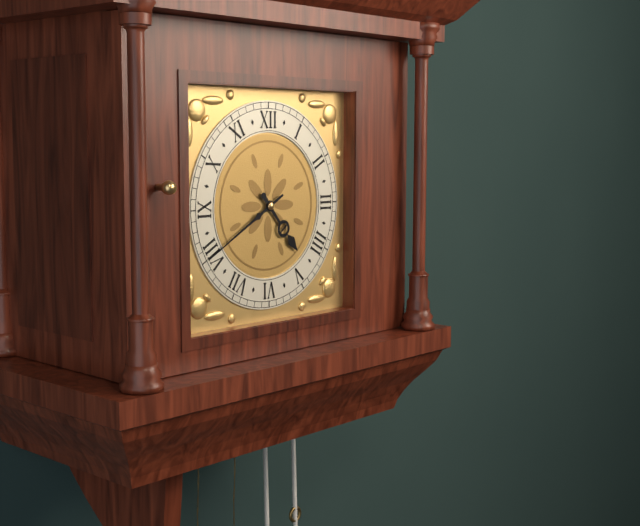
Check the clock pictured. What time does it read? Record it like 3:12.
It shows 4:40
